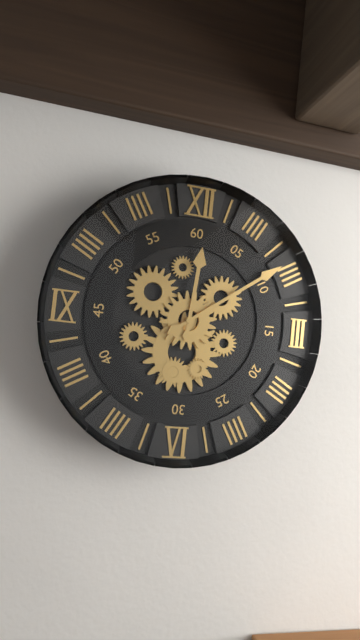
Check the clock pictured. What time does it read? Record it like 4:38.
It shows 12:09
